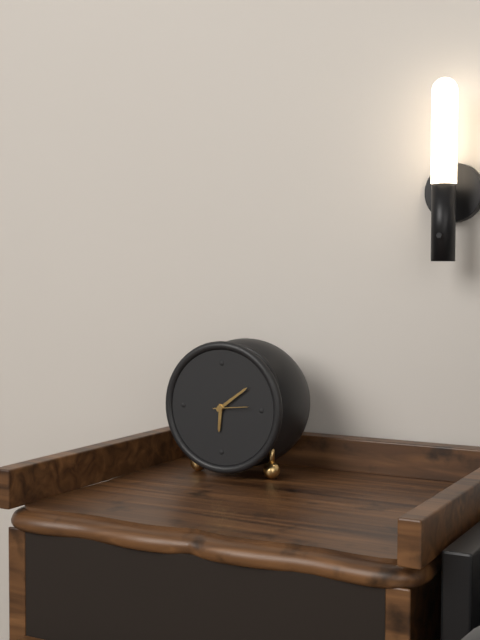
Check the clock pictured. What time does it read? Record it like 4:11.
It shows 6:09
